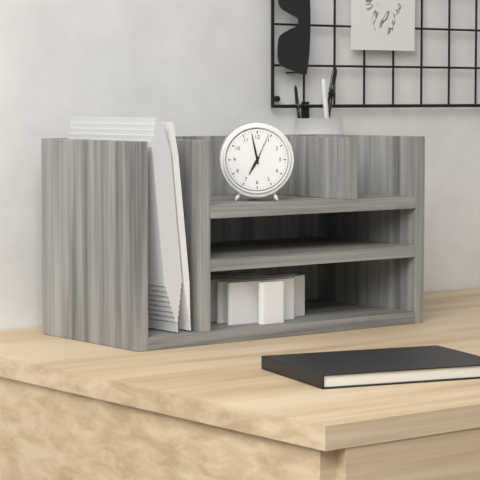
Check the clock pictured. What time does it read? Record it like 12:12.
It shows 6:58
